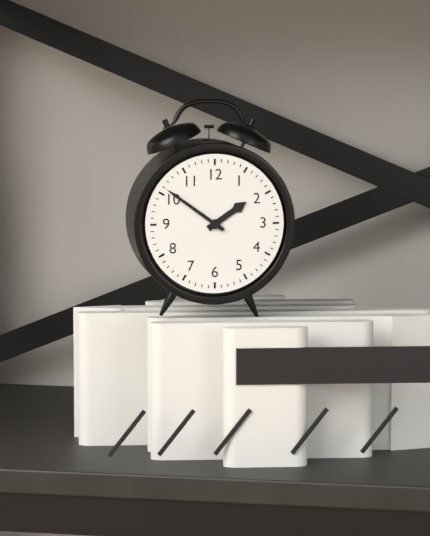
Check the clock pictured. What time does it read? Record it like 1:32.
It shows 1:51
